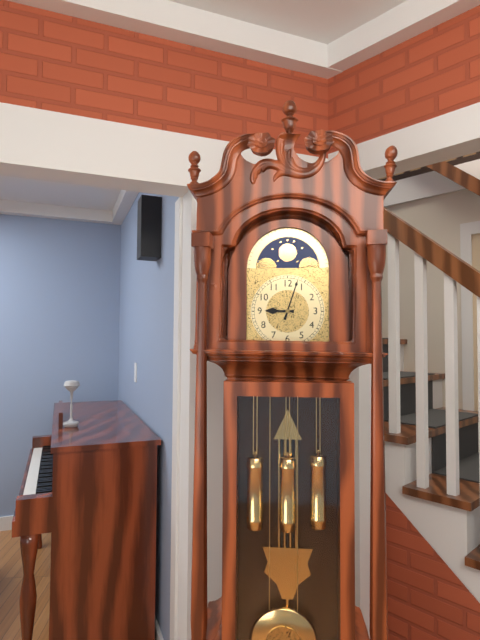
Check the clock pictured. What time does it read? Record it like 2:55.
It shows 9:03
